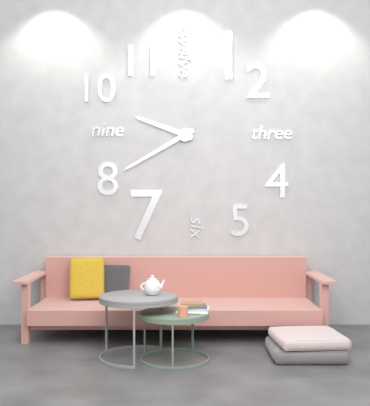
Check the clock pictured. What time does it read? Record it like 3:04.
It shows 9:40
